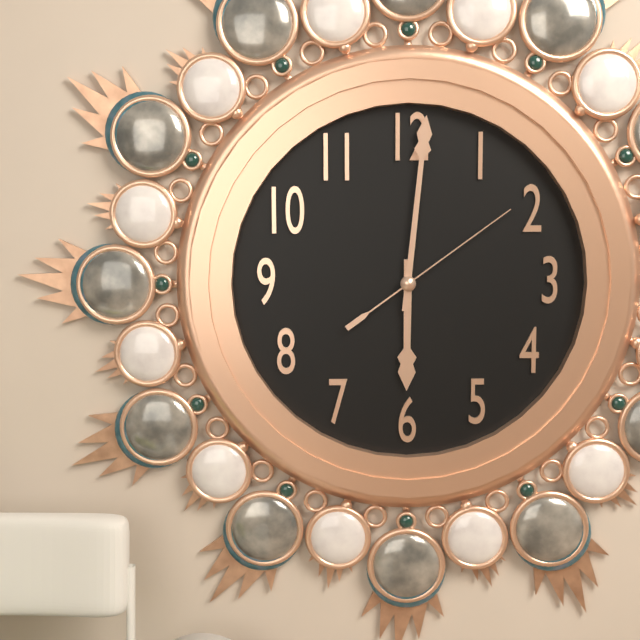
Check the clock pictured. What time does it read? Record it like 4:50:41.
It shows 6:01:09
